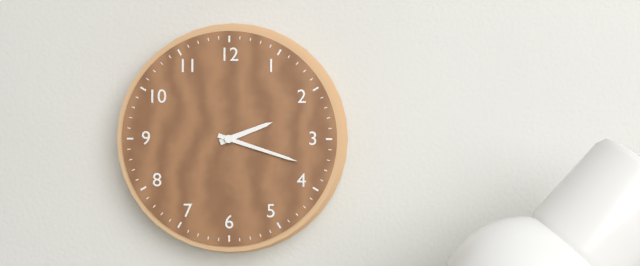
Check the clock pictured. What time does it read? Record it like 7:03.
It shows 2:18
